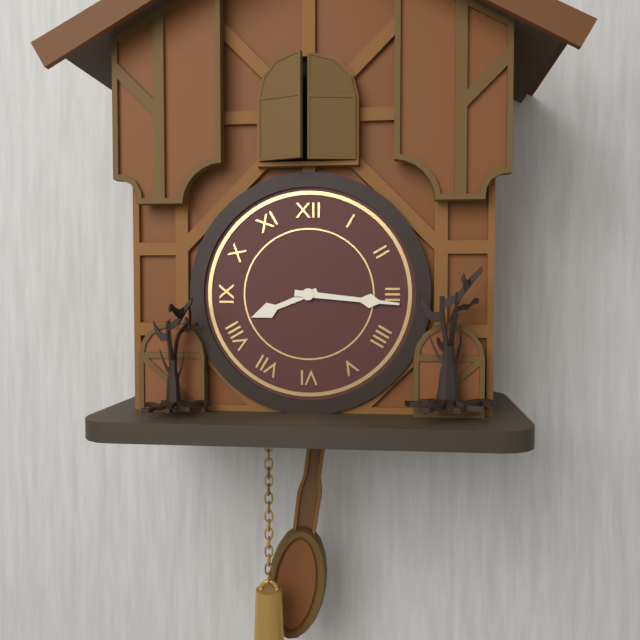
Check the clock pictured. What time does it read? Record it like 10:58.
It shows 8:16
